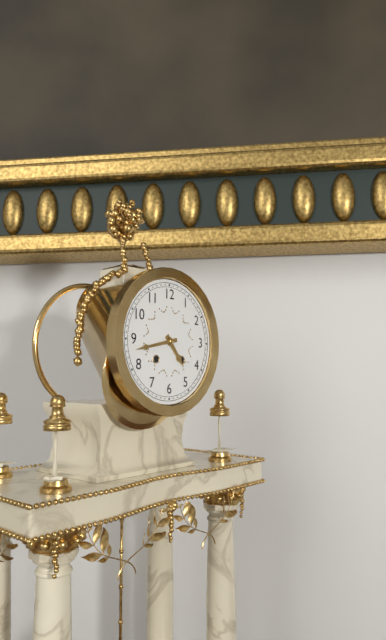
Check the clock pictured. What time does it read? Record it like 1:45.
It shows 4:43
